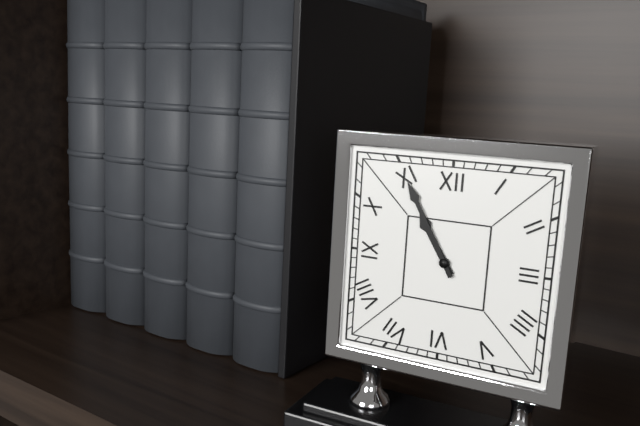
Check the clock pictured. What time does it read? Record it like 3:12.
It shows 10:55
